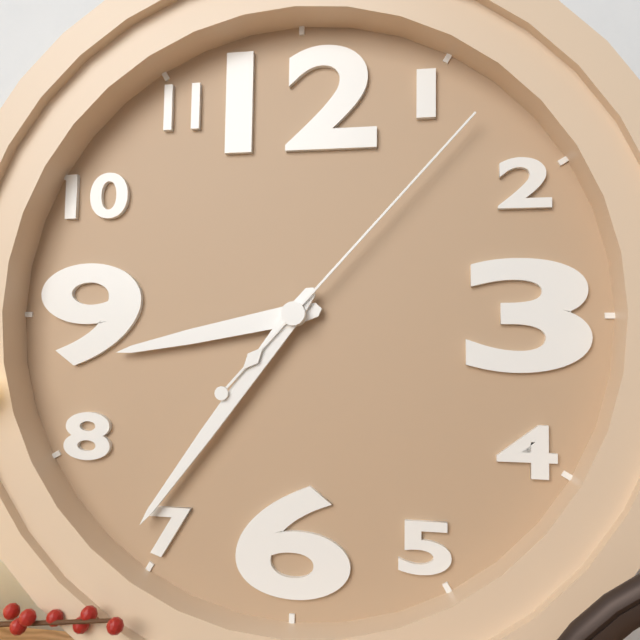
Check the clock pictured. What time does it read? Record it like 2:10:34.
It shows 8:36:07
